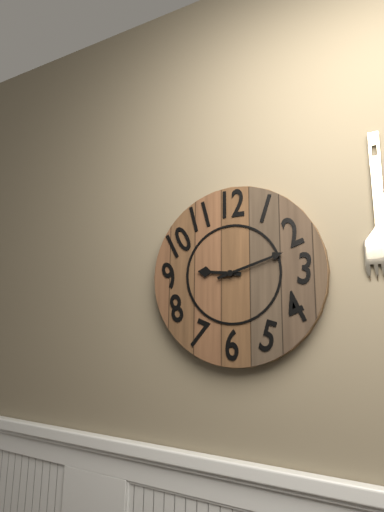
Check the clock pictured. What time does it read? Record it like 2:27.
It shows 9:12
